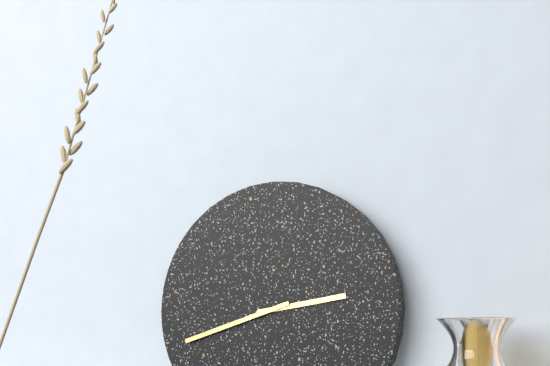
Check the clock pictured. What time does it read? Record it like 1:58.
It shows 2:42
